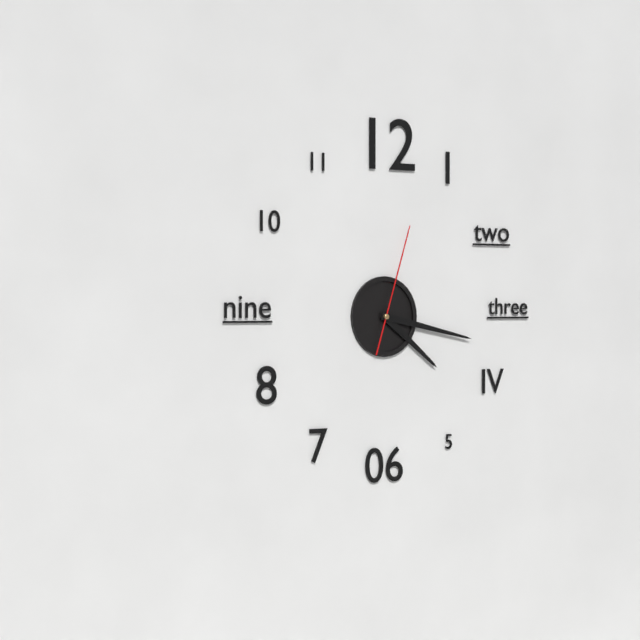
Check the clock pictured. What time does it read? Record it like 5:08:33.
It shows 4:17:03
